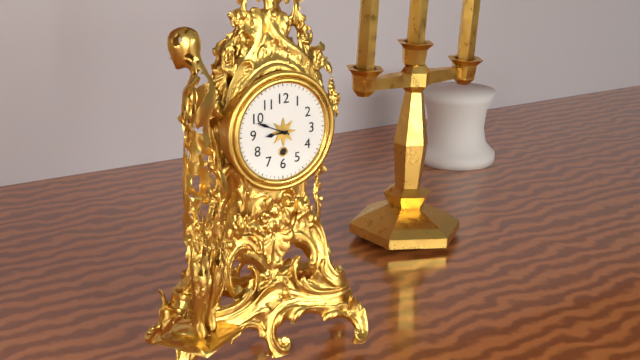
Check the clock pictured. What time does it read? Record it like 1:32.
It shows 8:49
